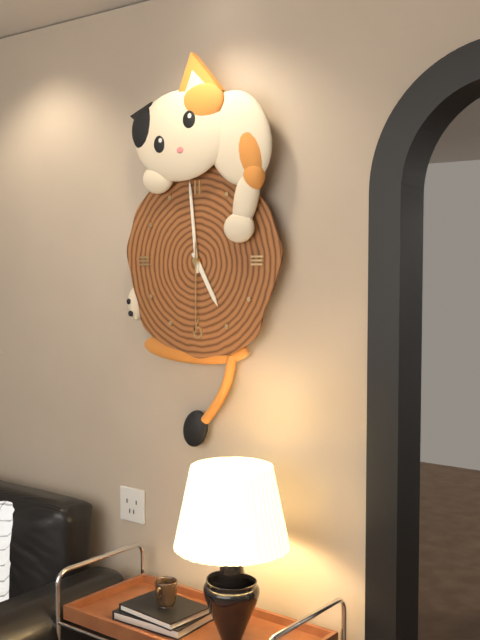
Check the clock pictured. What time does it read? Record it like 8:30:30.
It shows 4:59:30
